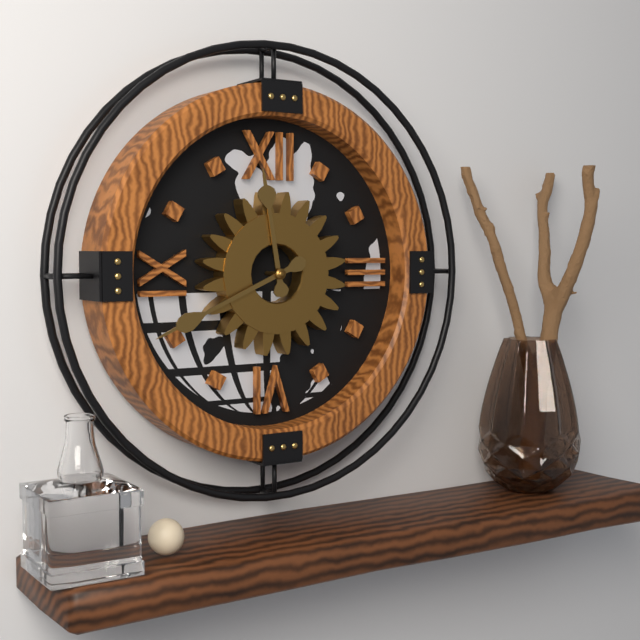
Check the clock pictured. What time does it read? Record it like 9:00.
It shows 11:41
